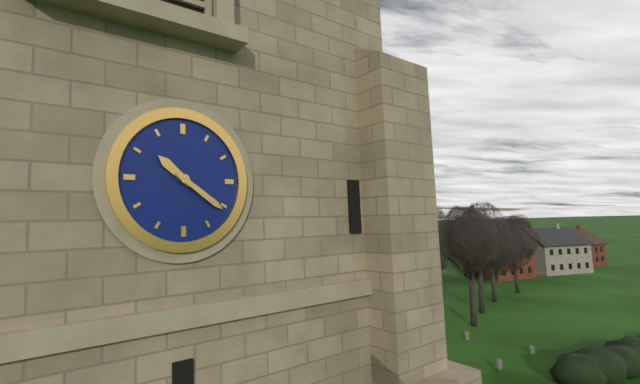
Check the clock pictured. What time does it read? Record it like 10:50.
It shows 10:21
